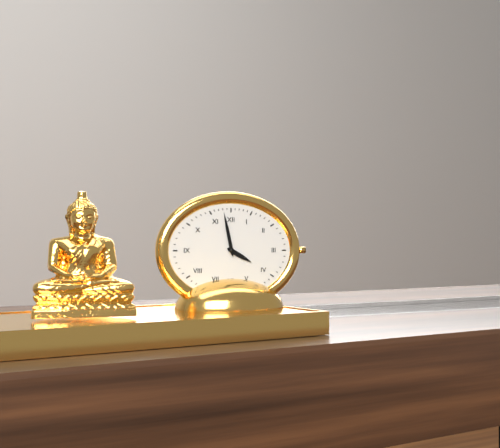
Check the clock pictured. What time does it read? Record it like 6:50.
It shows 3:58
